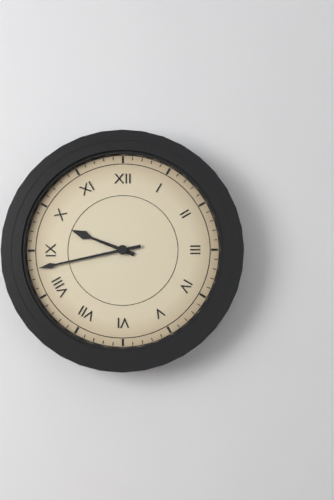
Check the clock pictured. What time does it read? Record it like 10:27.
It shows 9:43
